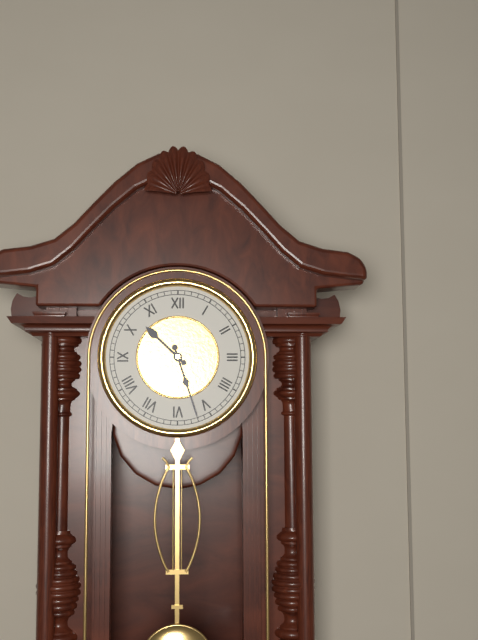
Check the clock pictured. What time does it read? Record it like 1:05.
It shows 10:27
